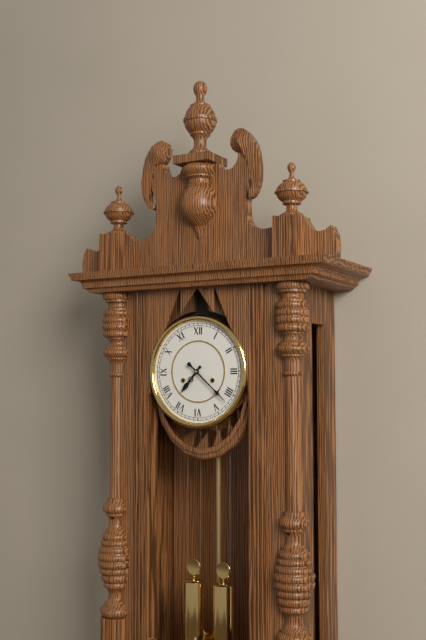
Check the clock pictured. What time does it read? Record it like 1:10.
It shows 7:22
